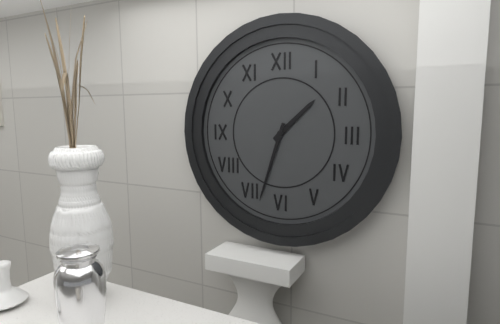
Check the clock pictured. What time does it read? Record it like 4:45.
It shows 1:33
